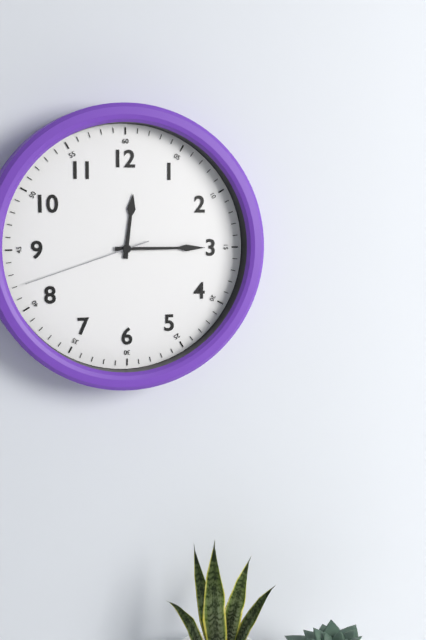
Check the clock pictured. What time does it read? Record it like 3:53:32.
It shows 12:15:42
